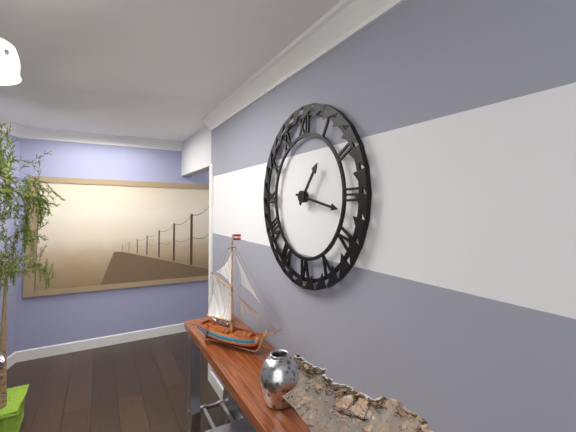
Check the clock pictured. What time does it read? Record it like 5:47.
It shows 1:17
